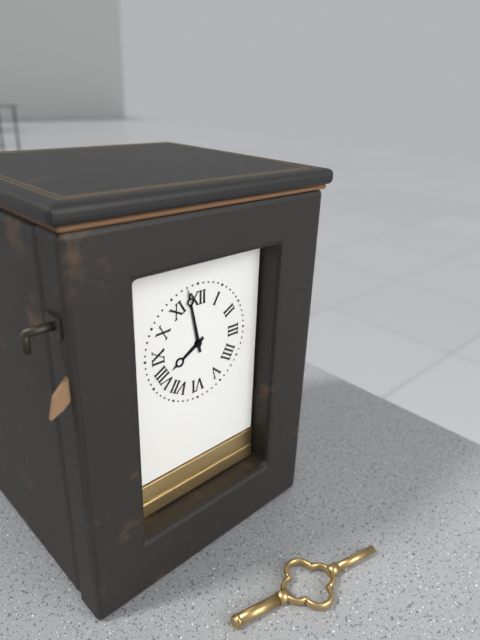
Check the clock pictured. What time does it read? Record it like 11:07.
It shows 7:58
